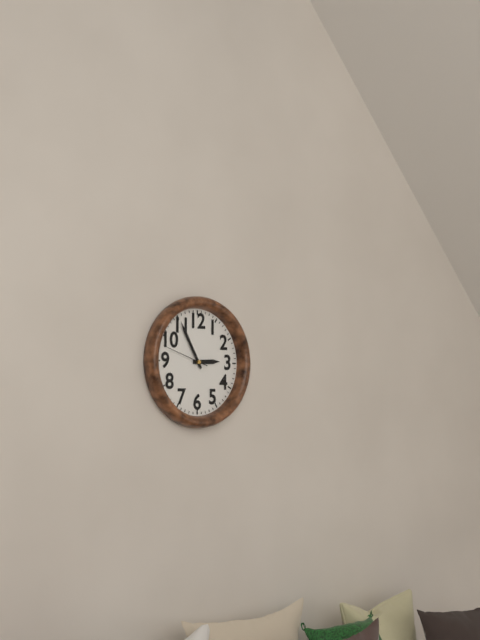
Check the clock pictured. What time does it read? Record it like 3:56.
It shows 2:55
